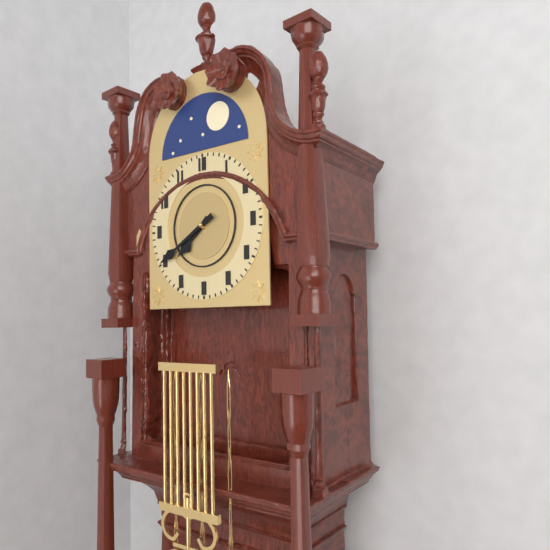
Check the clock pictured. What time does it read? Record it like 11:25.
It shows 7:40
